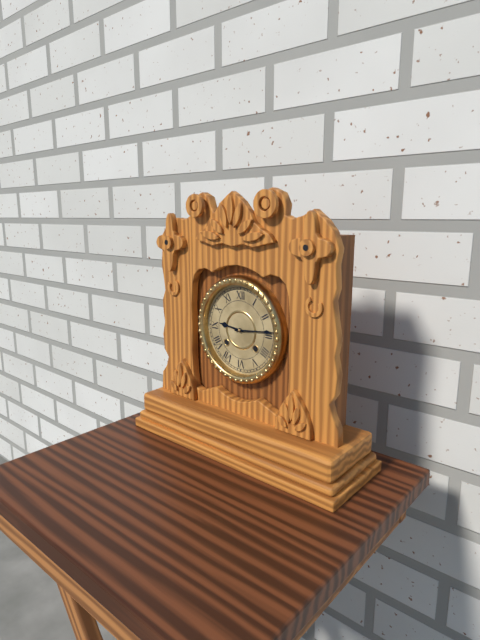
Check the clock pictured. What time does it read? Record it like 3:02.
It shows 9:14
